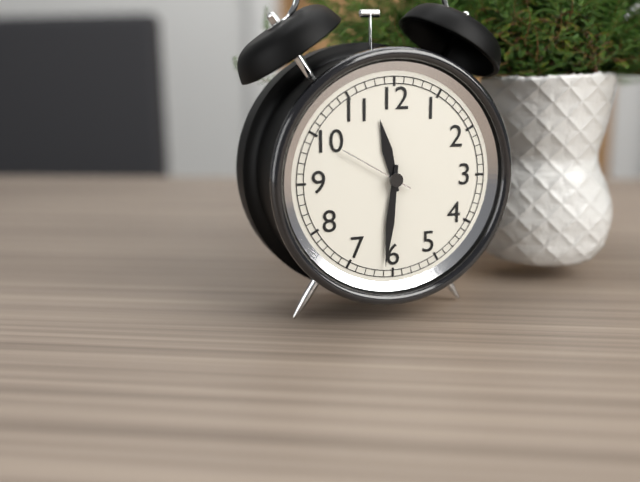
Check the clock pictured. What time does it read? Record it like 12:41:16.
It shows 11:31:50
